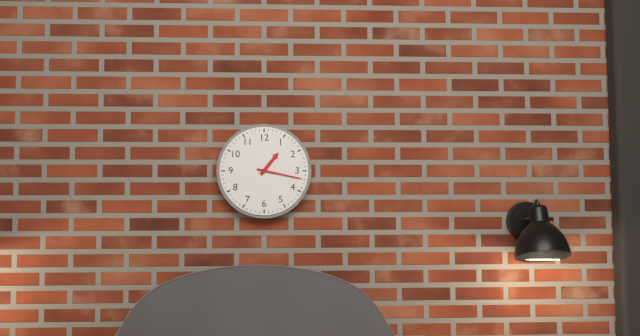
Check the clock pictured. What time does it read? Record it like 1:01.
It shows 1:17
